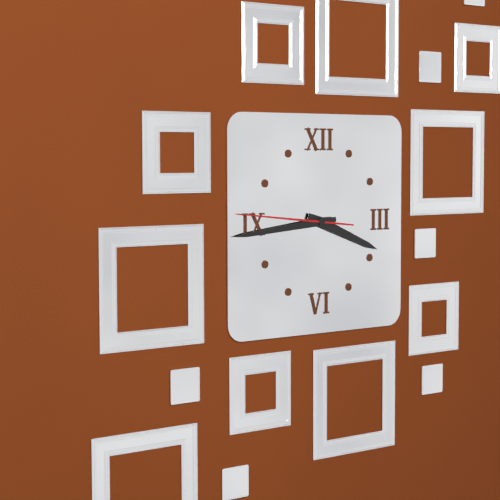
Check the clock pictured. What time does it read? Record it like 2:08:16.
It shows 3:44:46
